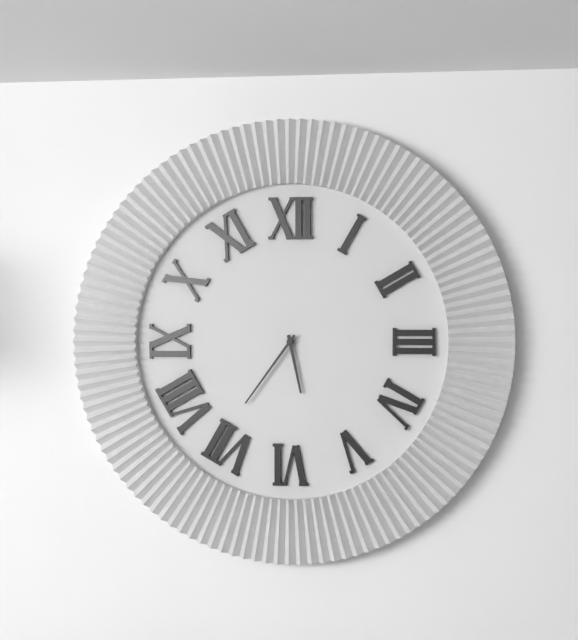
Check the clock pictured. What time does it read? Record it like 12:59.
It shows 5:36
